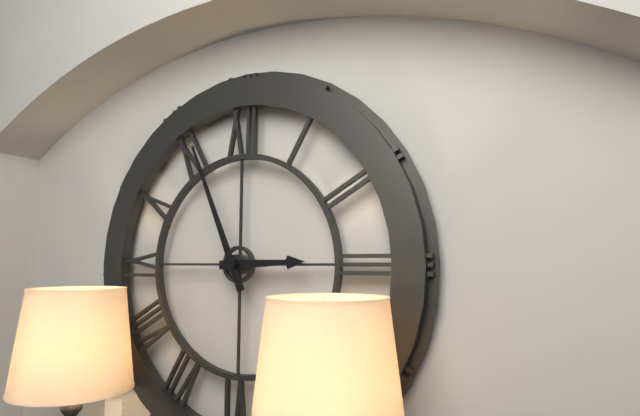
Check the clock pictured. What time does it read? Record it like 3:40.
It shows 2:56
